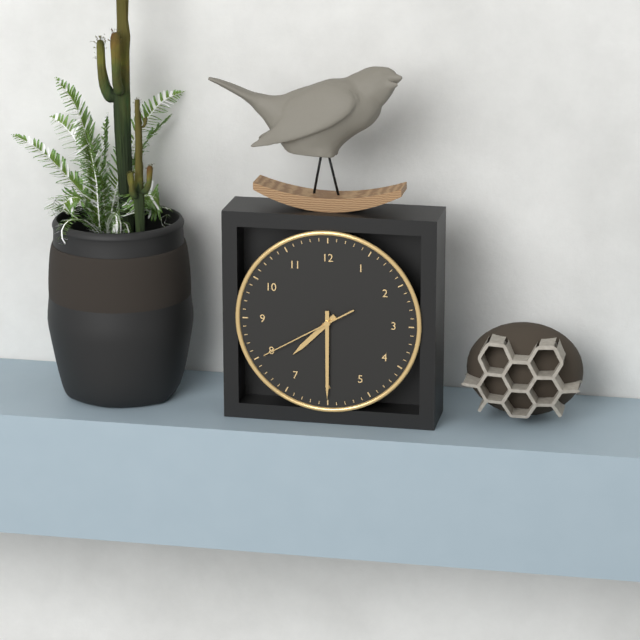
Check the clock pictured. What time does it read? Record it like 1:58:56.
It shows 7:30:40
